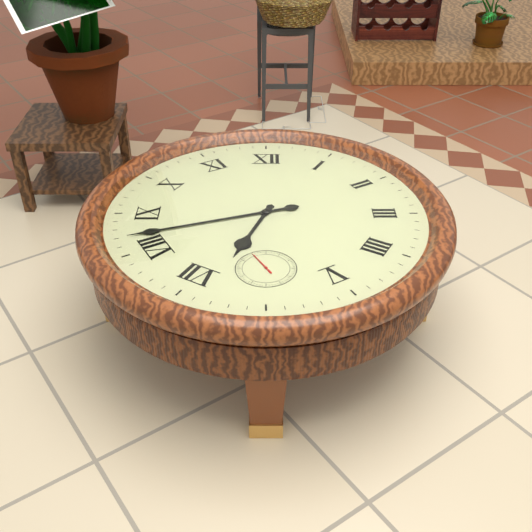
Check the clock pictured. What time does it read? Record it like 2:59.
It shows 6:42
